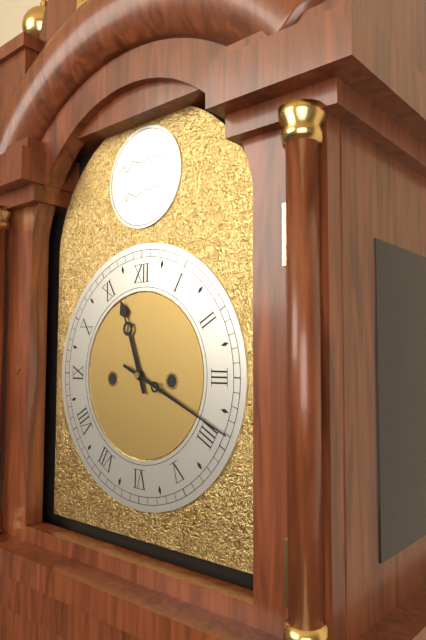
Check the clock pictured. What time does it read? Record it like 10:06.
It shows 11:19
